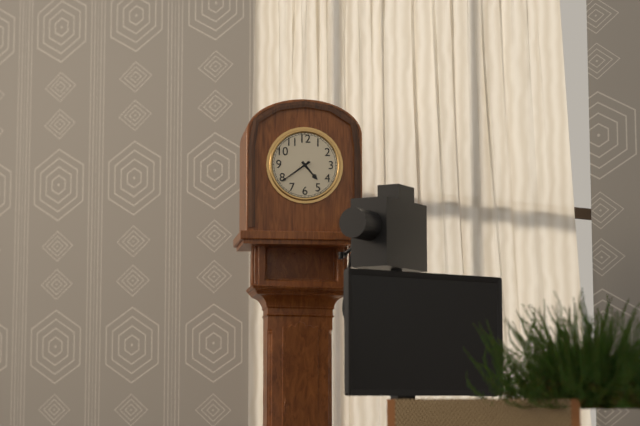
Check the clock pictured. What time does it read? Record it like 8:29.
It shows 4:39
